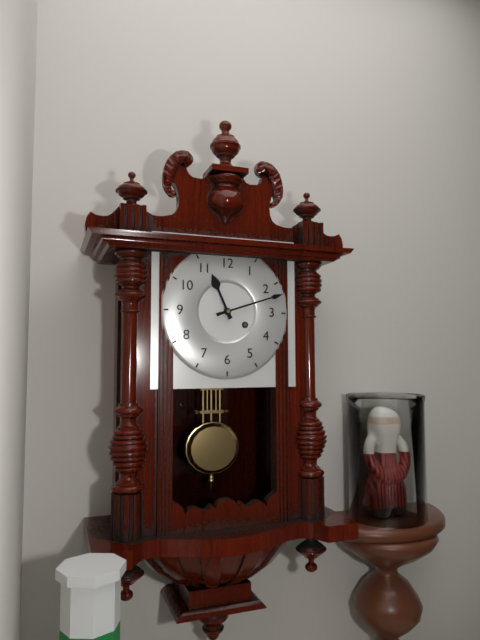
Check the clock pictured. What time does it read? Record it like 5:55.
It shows 11:12
